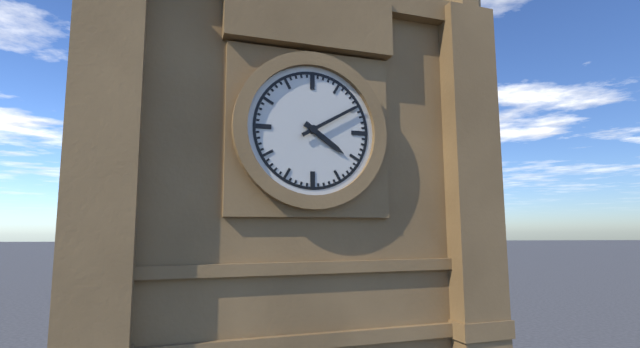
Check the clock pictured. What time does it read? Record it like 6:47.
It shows 4:10
